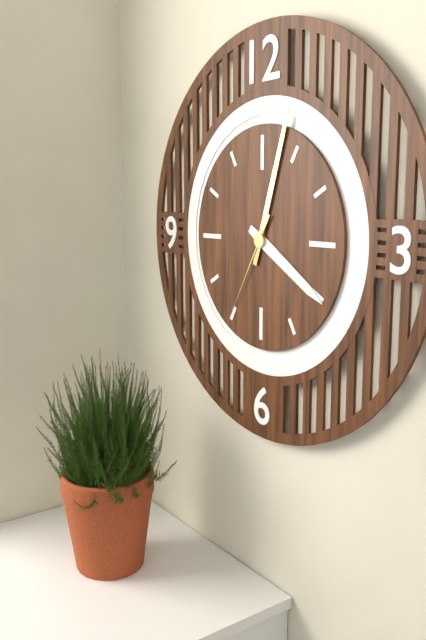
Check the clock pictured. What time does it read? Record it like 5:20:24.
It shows 4:03:35
